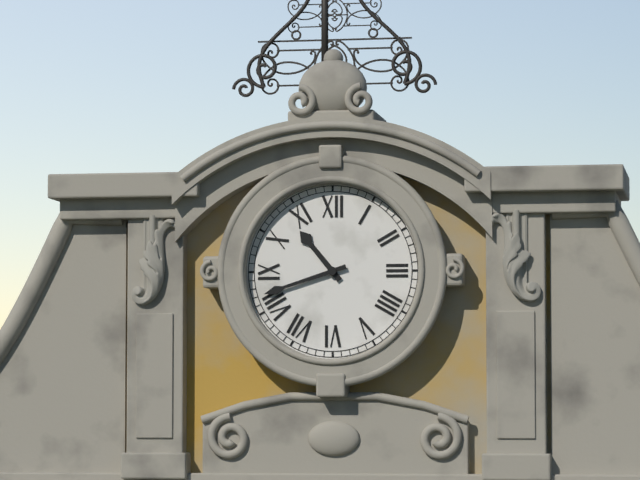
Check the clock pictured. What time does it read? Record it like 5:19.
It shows 10:42
